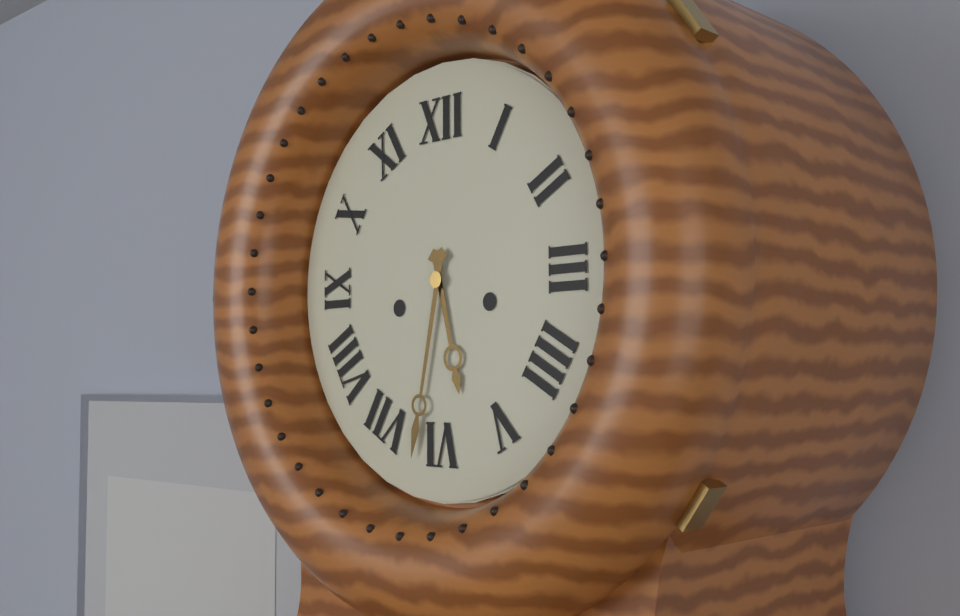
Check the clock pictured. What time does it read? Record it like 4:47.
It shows 5:32
